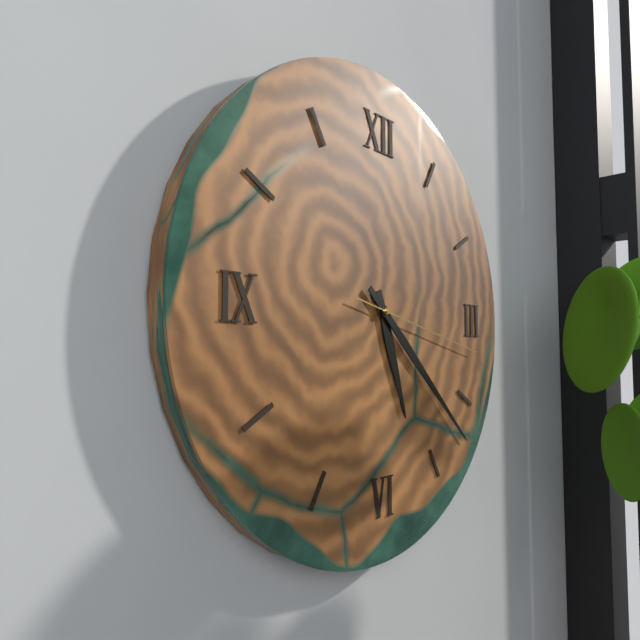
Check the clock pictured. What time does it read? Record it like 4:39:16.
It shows 5:22:17
